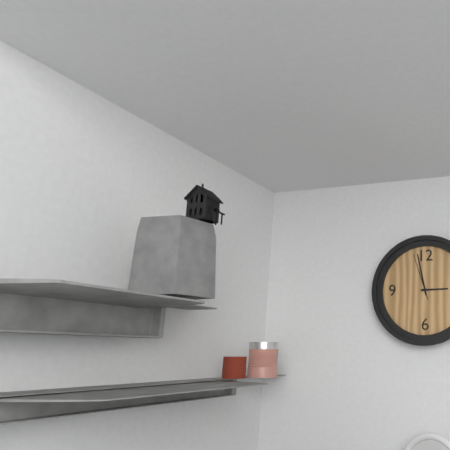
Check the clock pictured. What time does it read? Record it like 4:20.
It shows 2:58
